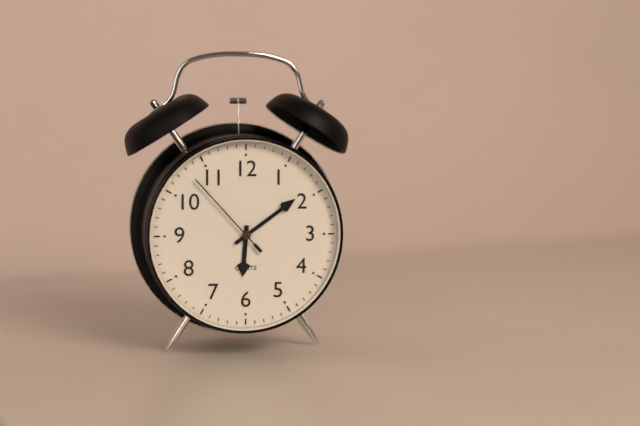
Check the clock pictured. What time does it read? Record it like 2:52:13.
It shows 6:09:53
